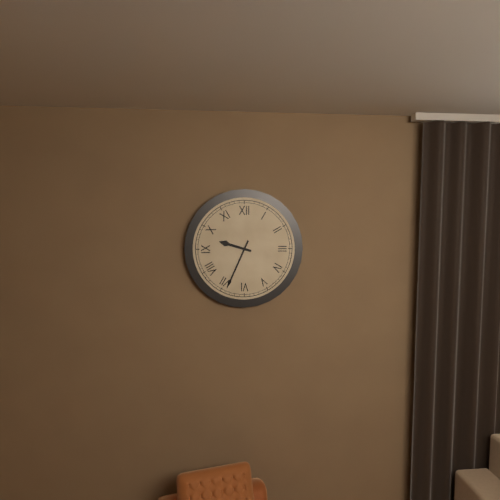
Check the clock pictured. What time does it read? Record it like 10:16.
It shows 9:34
